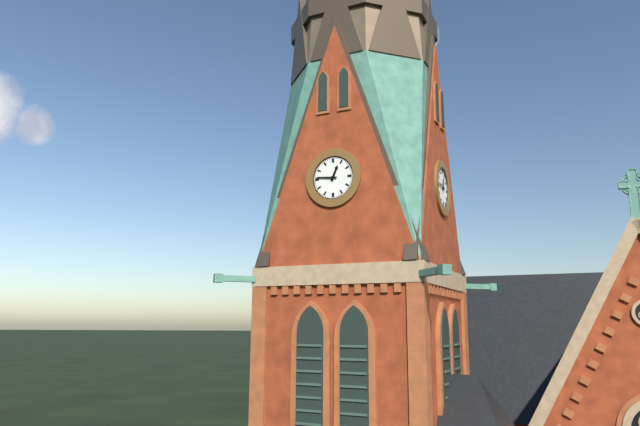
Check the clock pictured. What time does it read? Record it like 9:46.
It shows 12:46
